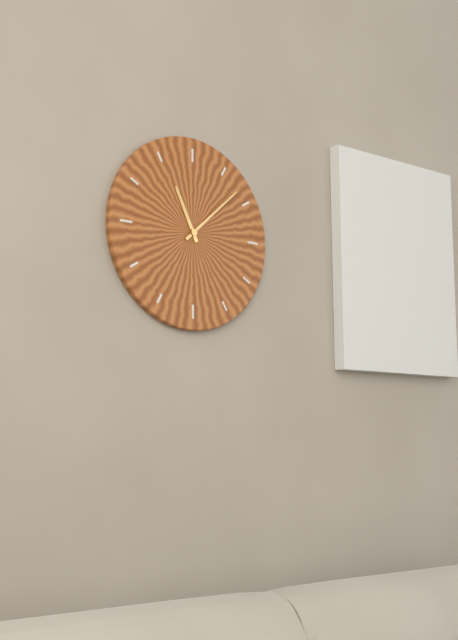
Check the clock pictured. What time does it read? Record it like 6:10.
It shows 11:08
